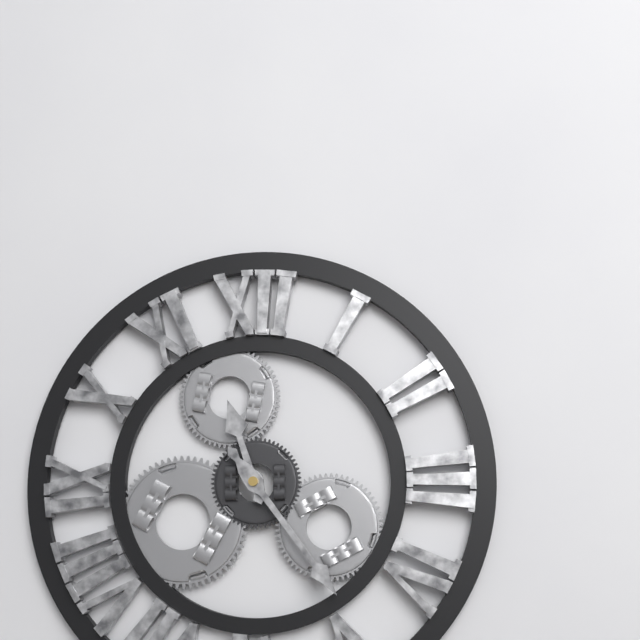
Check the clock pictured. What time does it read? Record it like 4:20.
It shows 11:24
